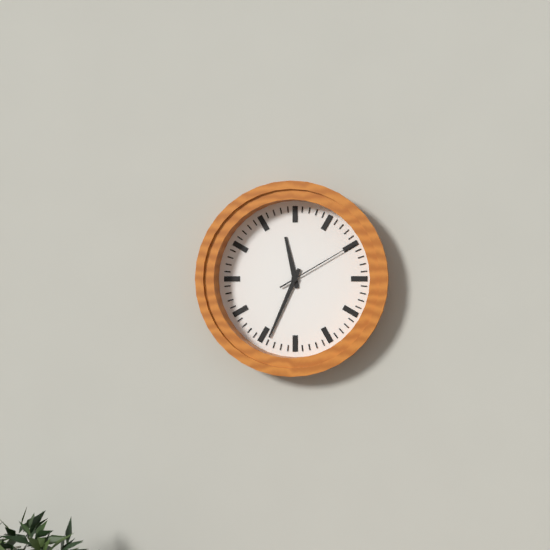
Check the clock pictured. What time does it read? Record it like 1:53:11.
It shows 11:34:10
